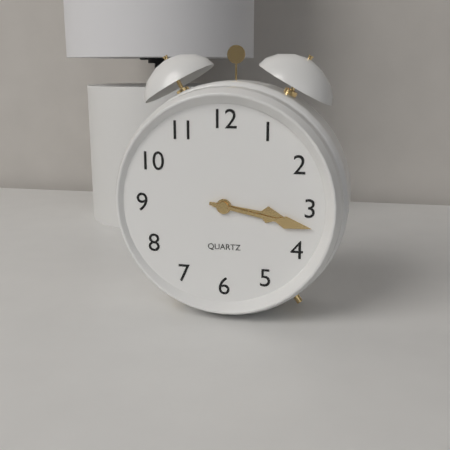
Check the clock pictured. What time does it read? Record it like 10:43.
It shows 3:17
